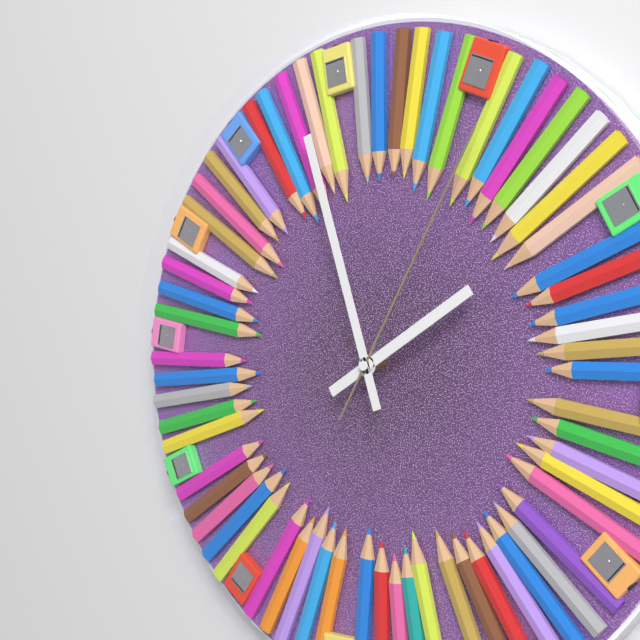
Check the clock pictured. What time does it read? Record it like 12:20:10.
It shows 1:57:05
